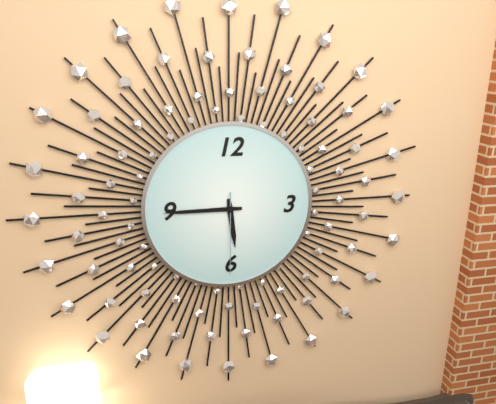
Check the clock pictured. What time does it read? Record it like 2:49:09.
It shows 5:45:30
